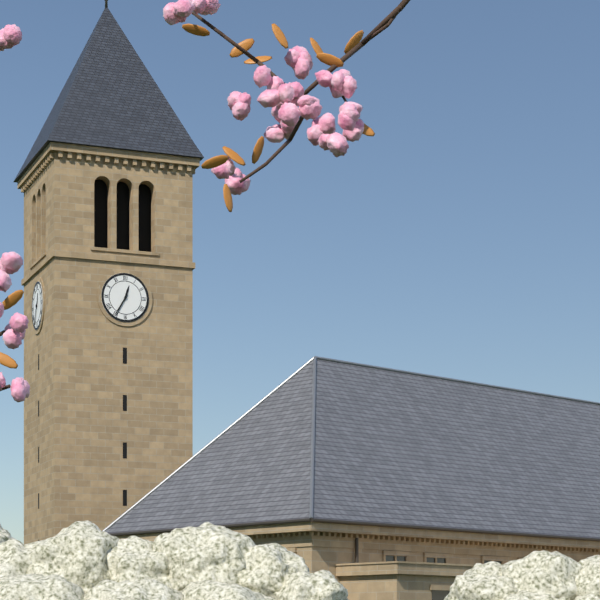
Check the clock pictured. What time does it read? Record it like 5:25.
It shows 12:35
